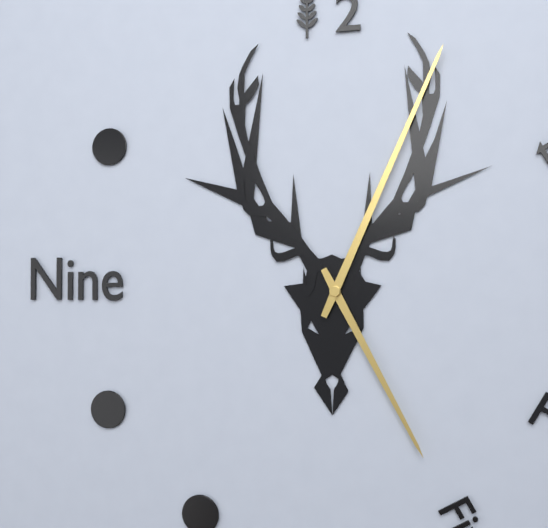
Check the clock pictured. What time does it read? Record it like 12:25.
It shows 5:04
